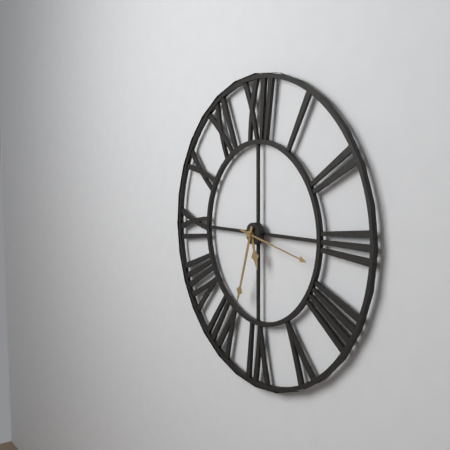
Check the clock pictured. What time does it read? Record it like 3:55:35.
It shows 5:33:17
